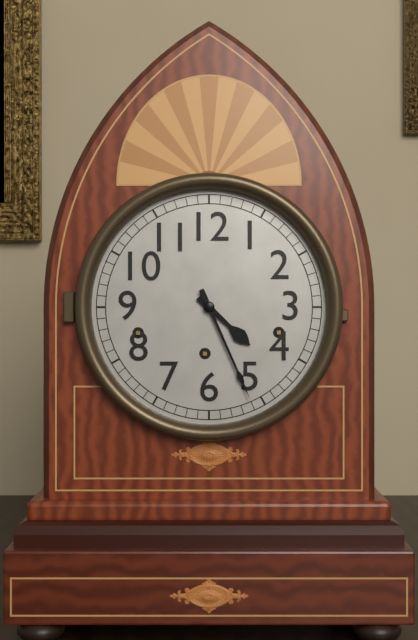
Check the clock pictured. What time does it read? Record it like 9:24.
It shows 4:26
